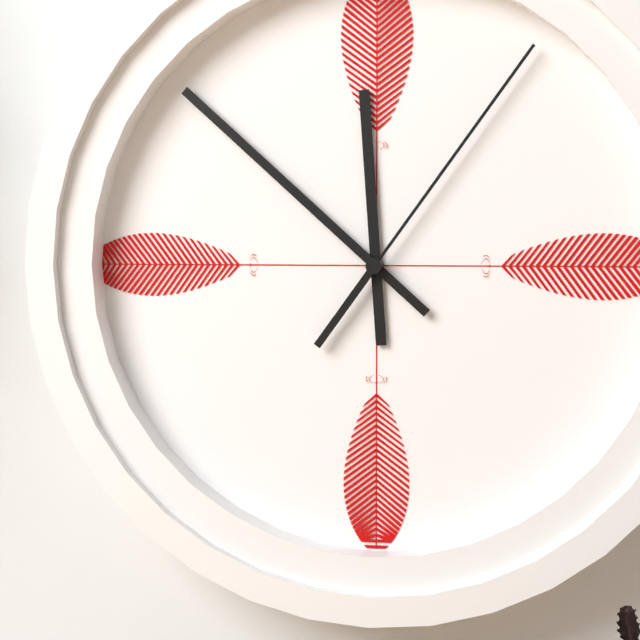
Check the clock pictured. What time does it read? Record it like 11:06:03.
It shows 11:52:06
